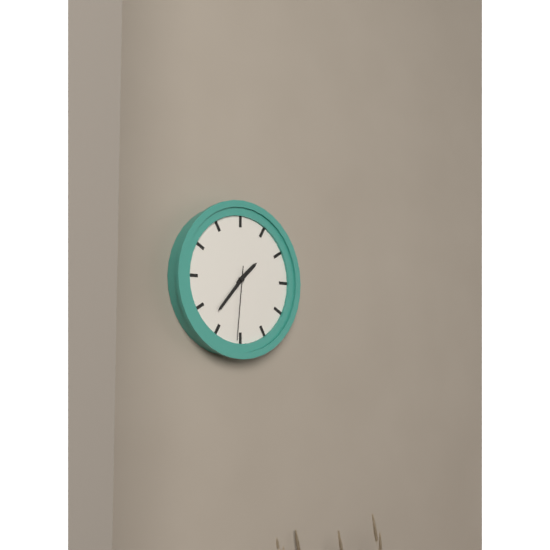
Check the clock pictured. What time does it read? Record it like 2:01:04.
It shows 1:37:31
